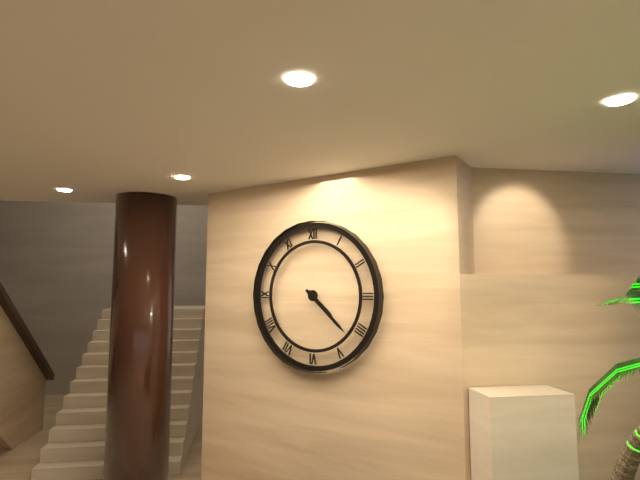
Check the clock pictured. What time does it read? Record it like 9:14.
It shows 4:22
